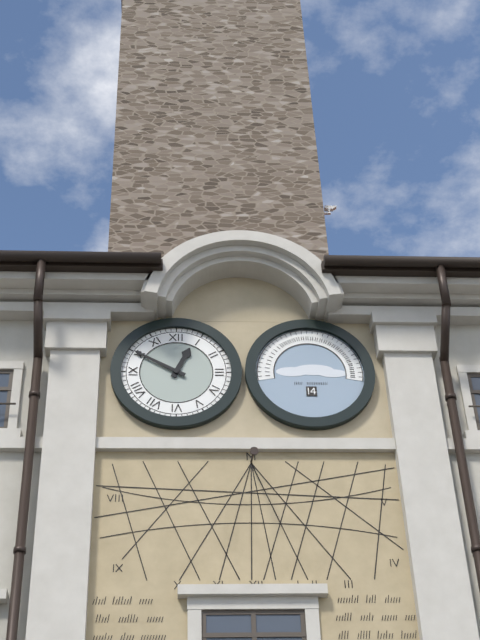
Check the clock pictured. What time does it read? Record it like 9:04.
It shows 12:50
